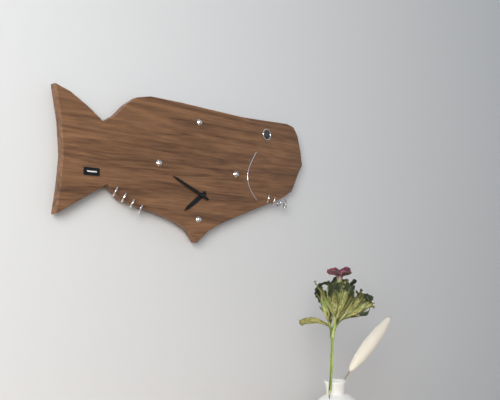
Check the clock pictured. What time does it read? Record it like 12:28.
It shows 7:49
